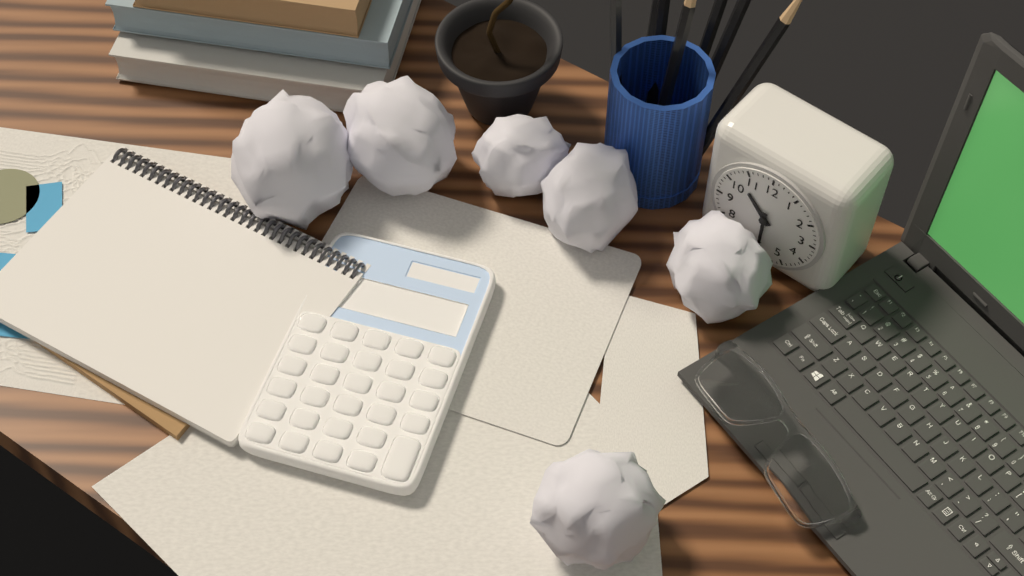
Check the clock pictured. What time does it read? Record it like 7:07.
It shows 10:30
